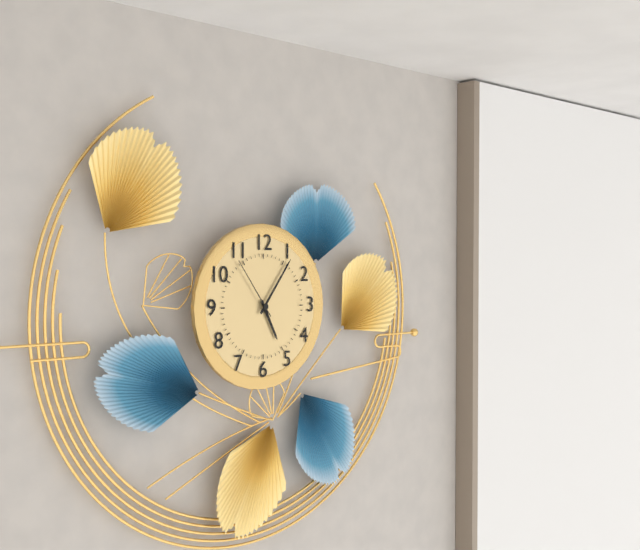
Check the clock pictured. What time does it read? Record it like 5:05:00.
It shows 5:06:54
